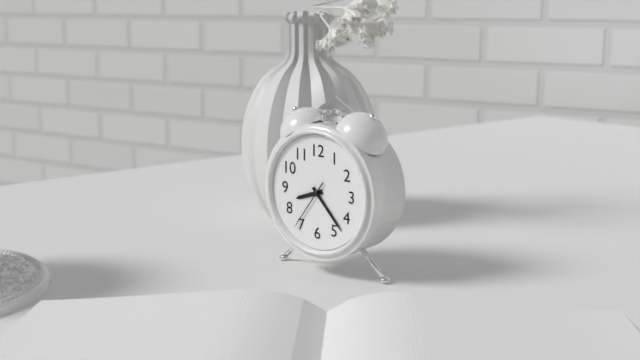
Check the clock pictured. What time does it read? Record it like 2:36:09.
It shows 8:23:36
